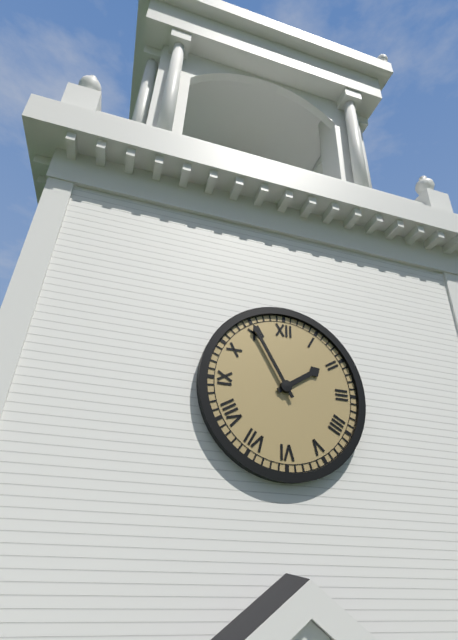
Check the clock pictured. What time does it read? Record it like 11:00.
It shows 1:55
